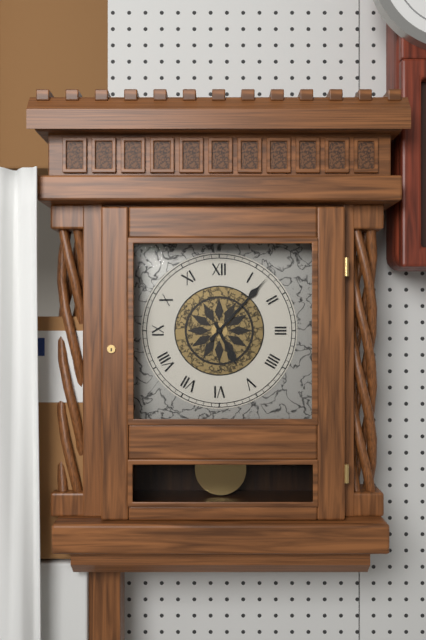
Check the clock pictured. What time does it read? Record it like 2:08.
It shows 5:07
